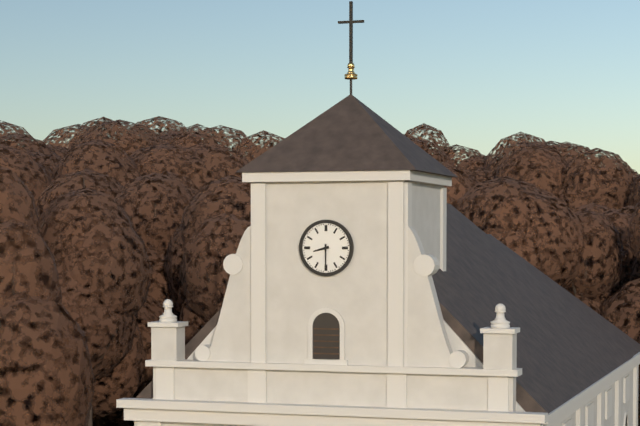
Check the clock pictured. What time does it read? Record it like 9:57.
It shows 8:30
